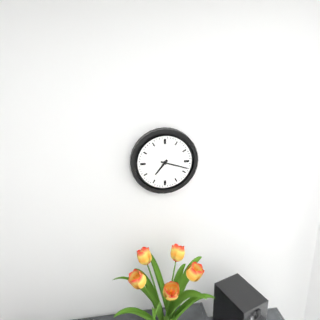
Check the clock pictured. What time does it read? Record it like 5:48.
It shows 7:18
